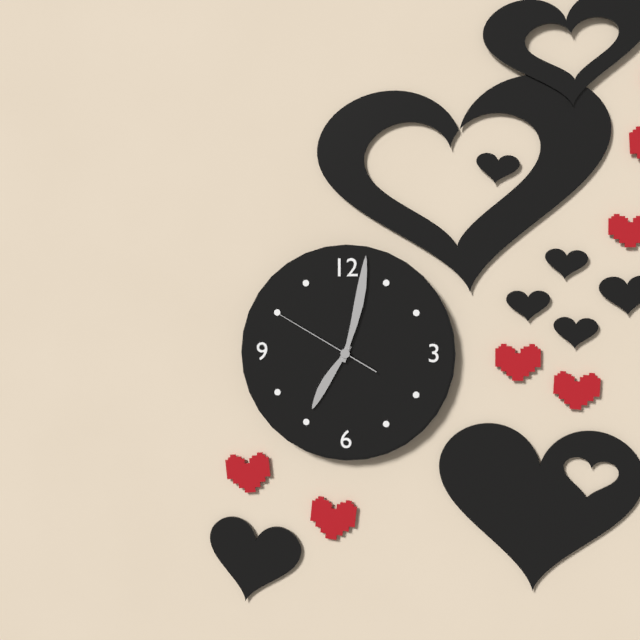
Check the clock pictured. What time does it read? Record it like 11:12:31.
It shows 7:02:50
